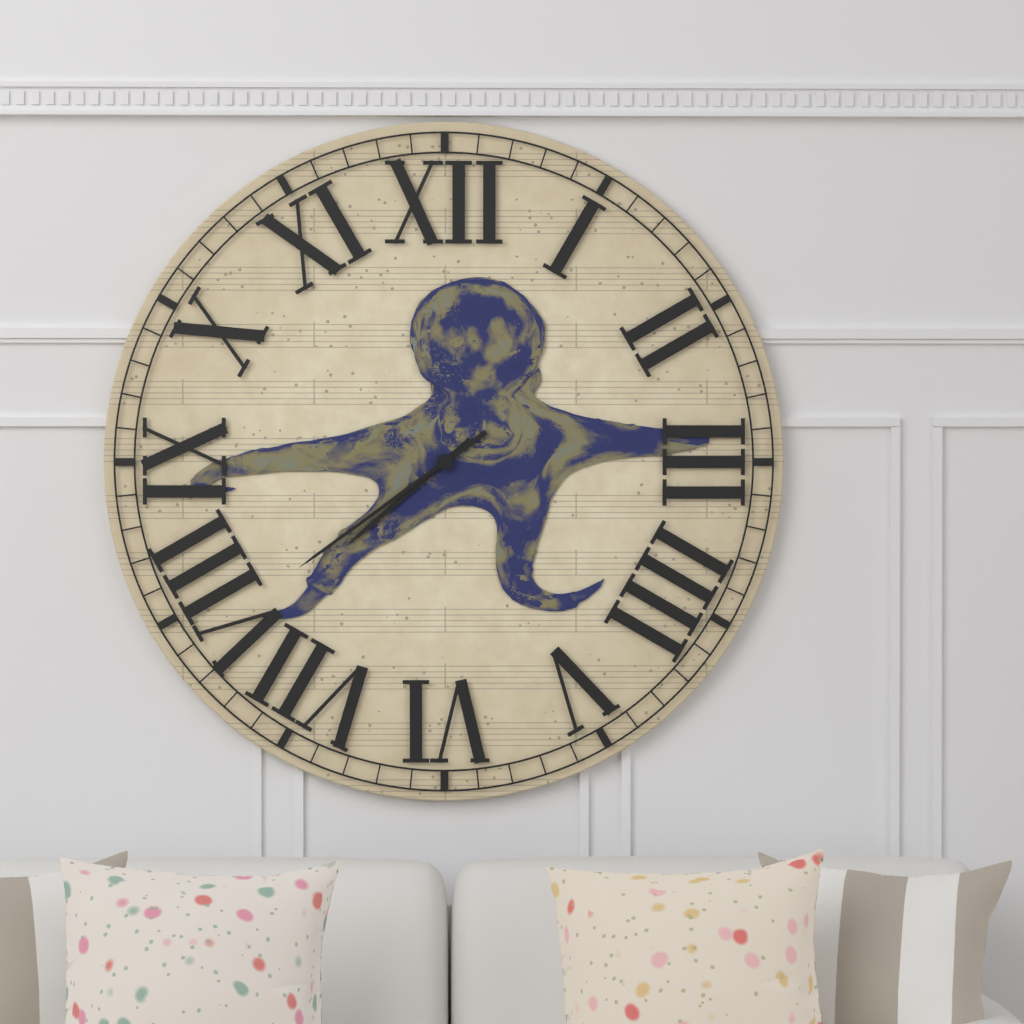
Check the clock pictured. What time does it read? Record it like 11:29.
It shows 7:39
